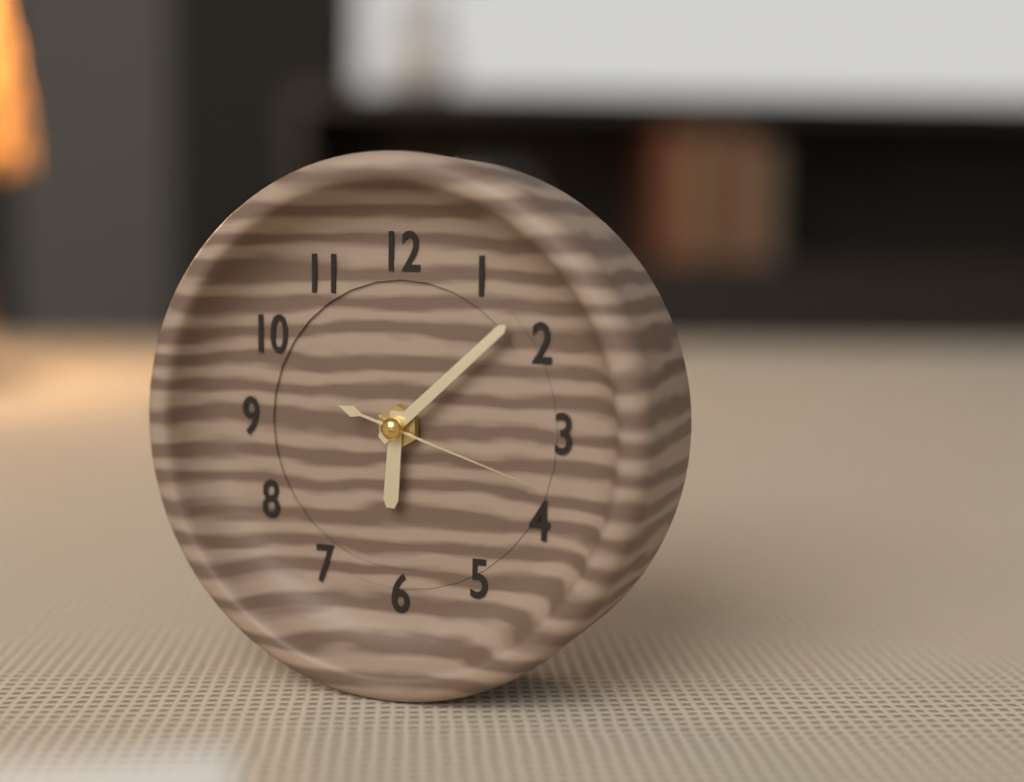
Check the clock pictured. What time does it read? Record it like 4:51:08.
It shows 6:08:18
